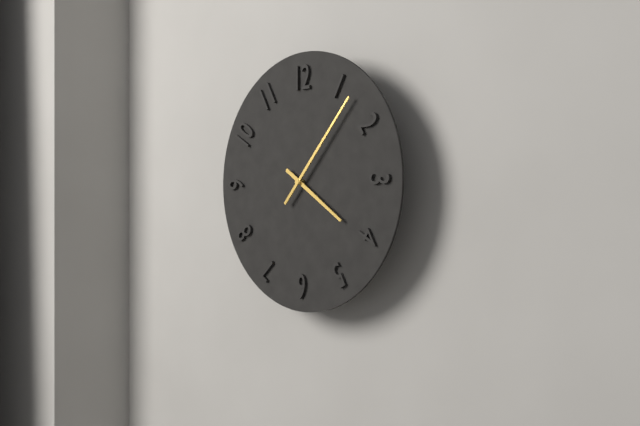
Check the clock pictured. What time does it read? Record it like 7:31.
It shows 4:07
